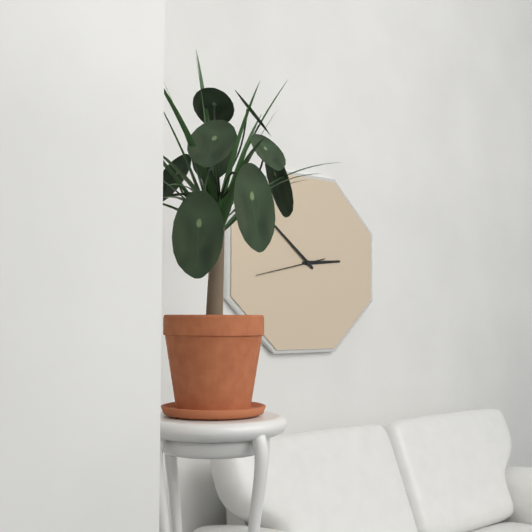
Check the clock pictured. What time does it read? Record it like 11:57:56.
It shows 2:51:43
